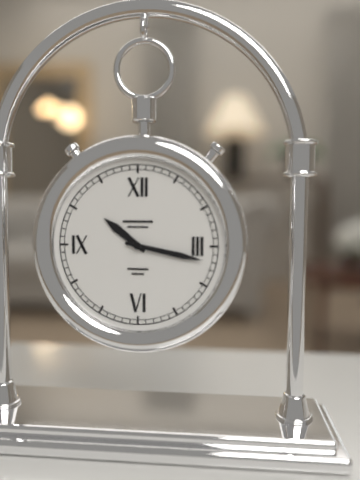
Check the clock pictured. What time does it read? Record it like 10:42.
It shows 10:17
